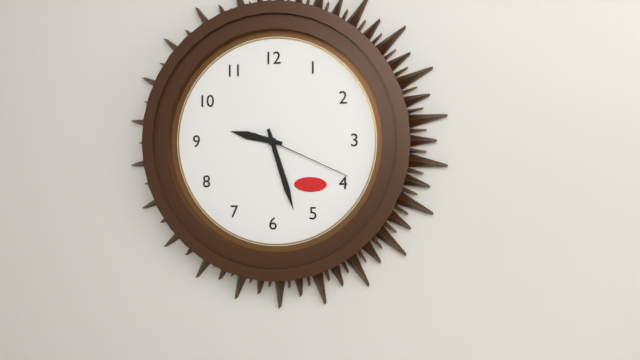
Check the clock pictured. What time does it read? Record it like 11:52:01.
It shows 9:27:19
